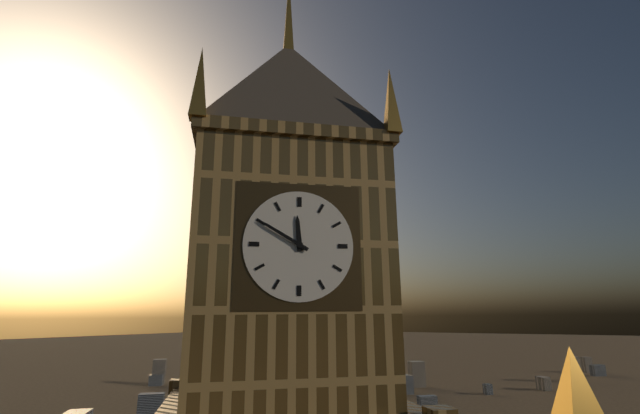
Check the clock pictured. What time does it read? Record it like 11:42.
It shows 11:50
